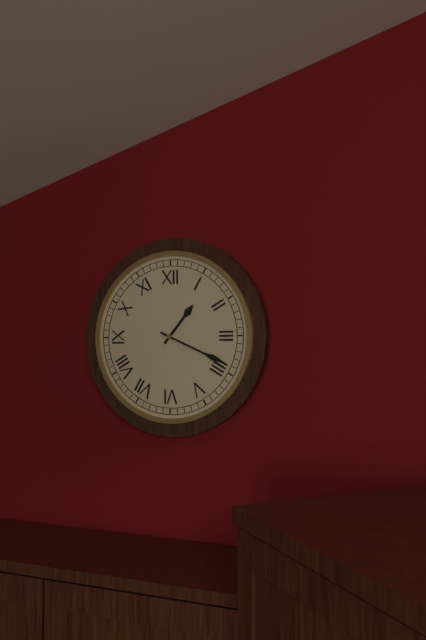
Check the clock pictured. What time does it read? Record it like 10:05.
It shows 1:19
